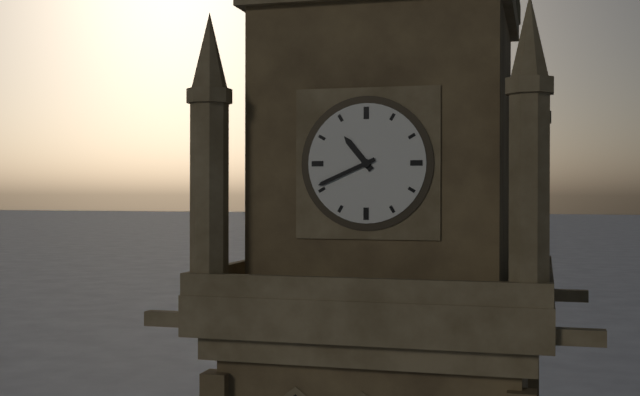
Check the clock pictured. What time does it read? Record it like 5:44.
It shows 10:41
